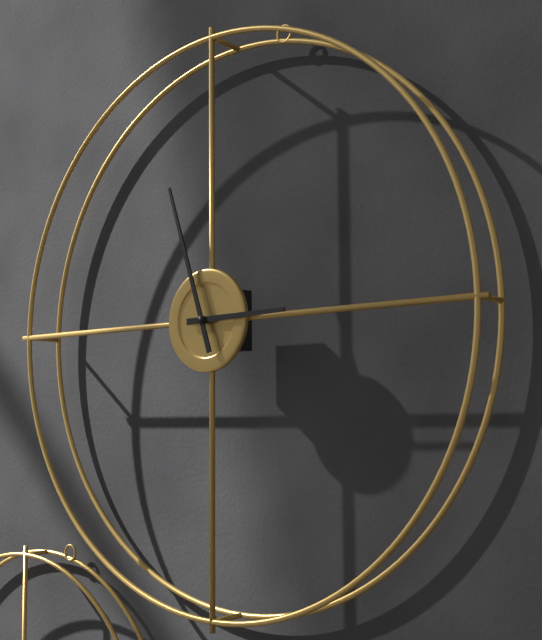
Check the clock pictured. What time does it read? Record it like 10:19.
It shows 2:57
